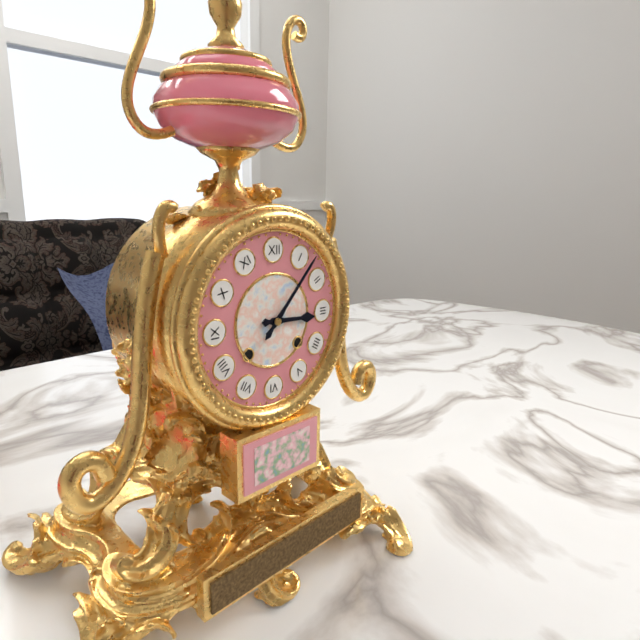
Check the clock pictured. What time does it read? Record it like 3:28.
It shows 3:07
